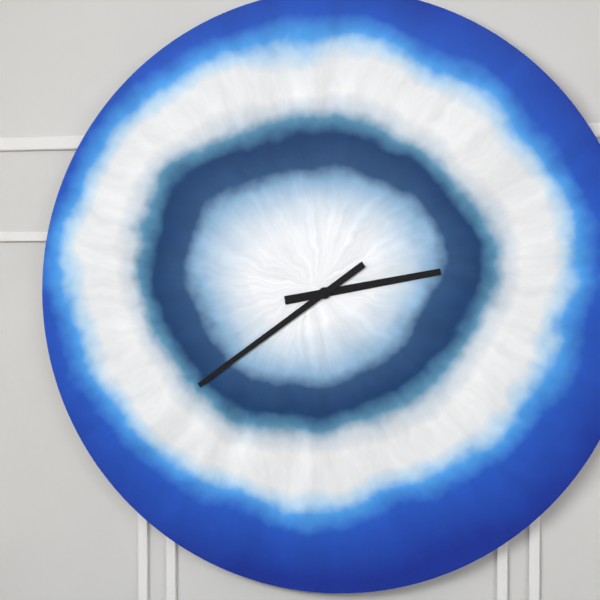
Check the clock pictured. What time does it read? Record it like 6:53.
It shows 2:39
